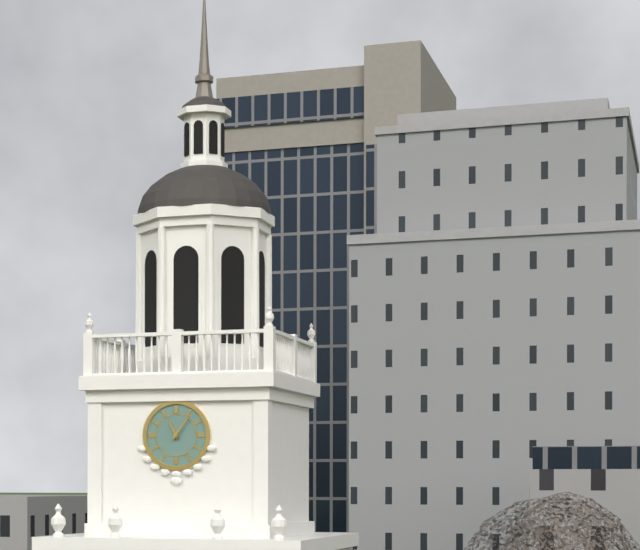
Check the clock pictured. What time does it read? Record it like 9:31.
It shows 11:06
